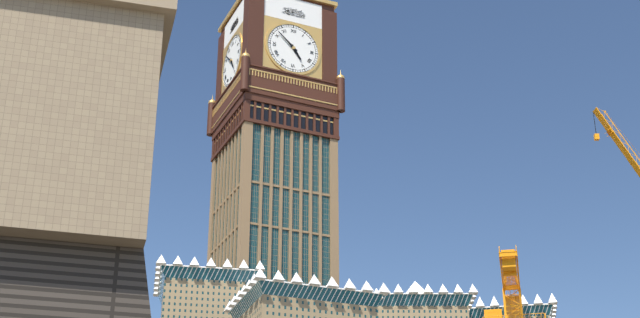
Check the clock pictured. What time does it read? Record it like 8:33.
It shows 4:52
